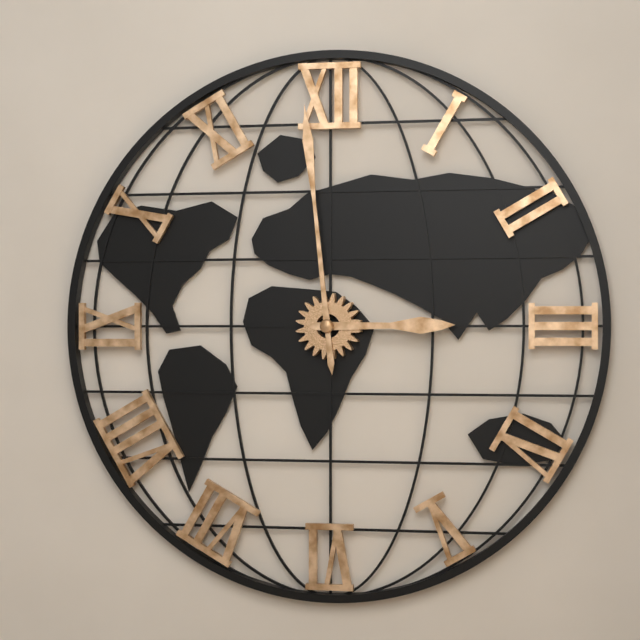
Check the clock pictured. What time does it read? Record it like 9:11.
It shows 2:59
